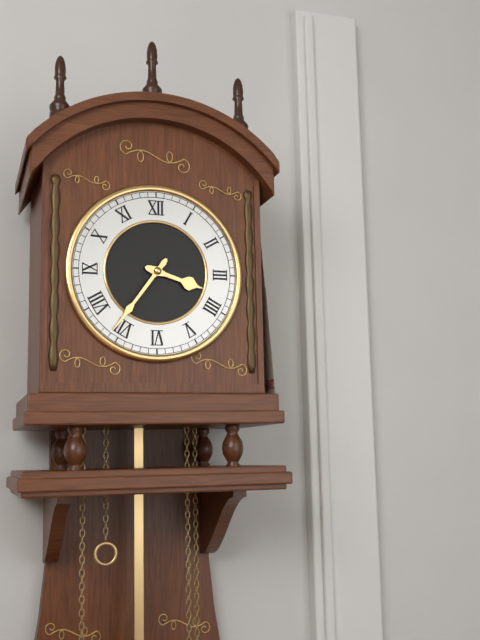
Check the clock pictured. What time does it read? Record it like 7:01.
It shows 3:36
